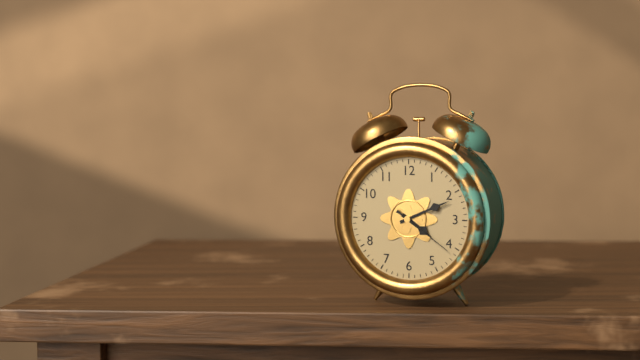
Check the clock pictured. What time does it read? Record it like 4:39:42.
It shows 4:11:21
